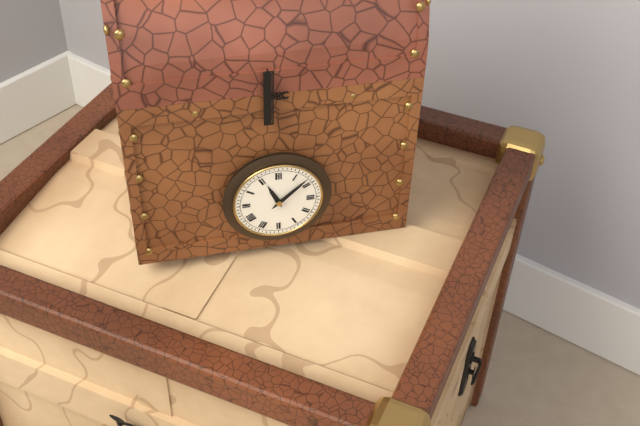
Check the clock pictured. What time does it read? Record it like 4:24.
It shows 11:08
